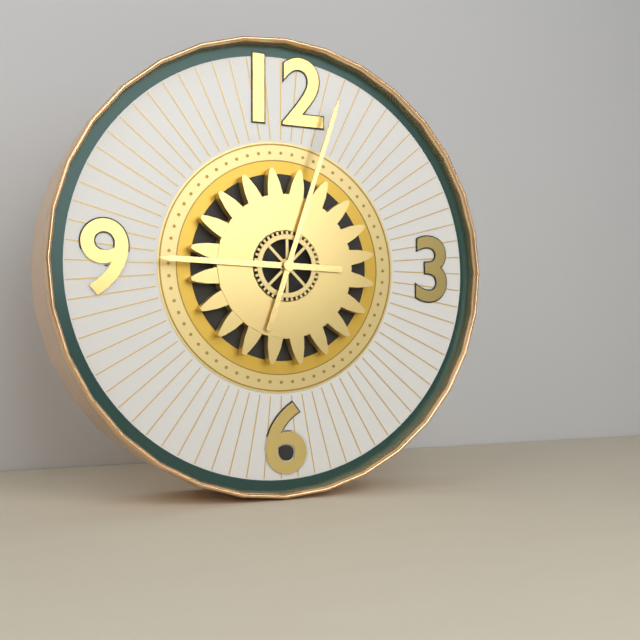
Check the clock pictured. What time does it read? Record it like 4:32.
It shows 9:03
